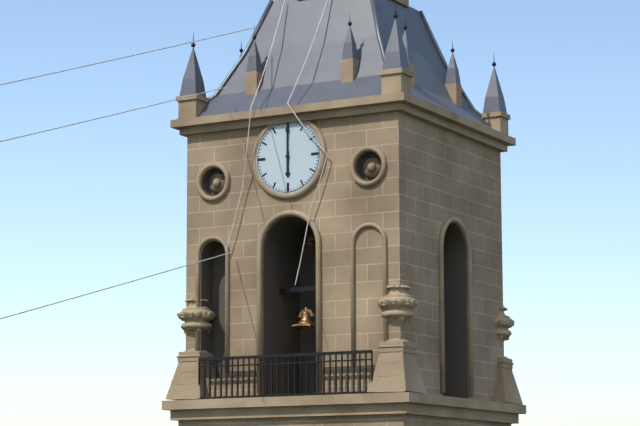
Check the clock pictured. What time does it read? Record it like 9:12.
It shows 6:00
